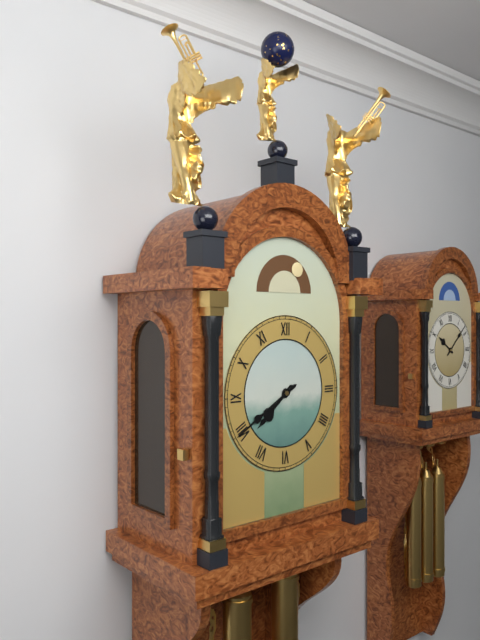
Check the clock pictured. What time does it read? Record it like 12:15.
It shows 7:40
